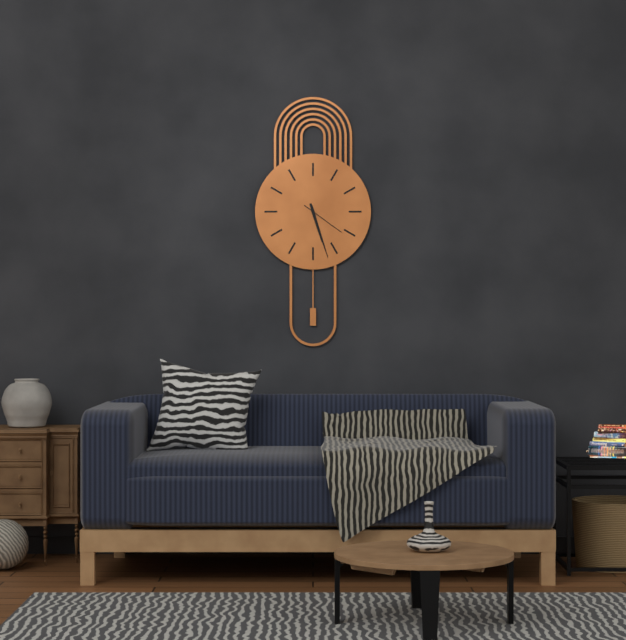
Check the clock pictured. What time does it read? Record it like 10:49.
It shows 5:27
